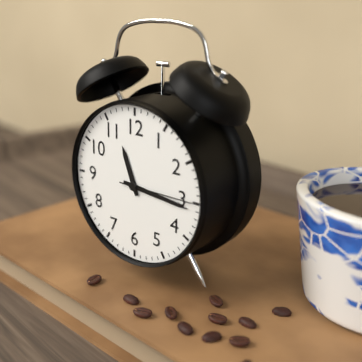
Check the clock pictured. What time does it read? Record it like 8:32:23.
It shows 11:16:15
